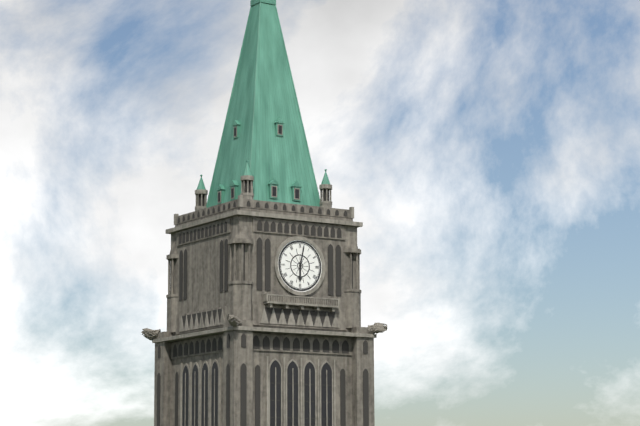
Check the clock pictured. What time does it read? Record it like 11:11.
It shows 6:02
